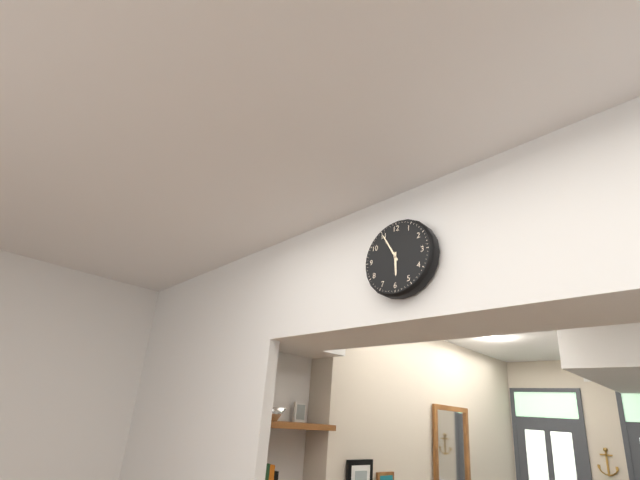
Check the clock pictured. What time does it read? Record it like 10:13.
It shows 5:55
